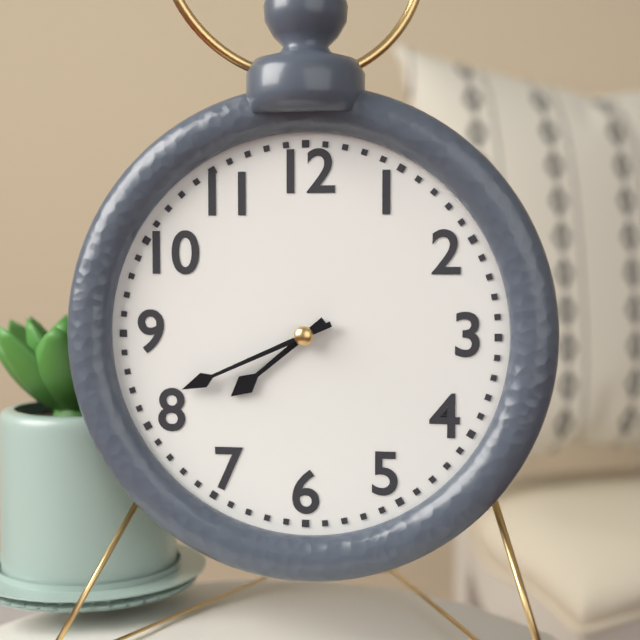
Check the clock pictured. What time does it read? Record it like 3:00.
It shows 7:41
